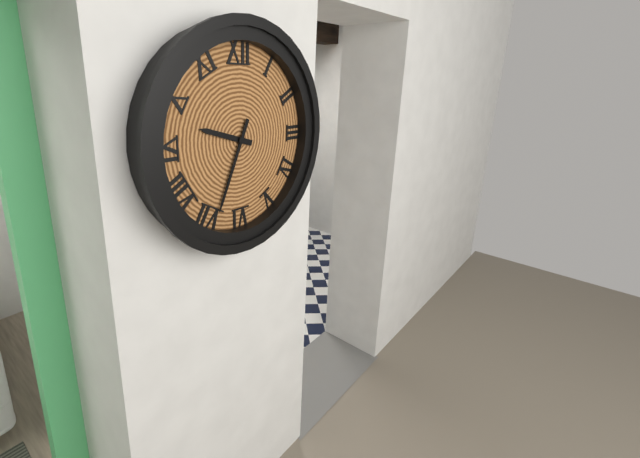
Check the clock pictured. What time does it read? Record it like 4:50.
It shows 9:34
